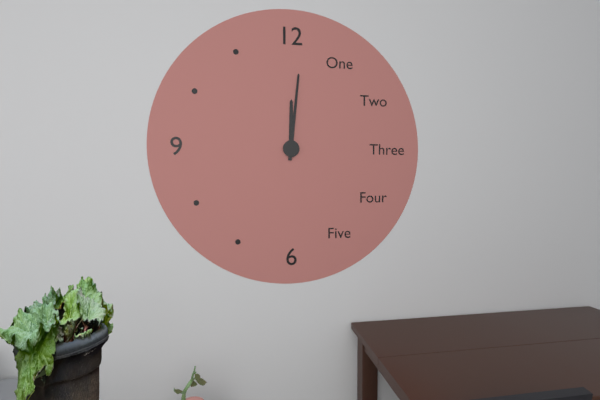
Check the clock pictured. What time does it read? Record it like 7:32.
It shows 12:01
